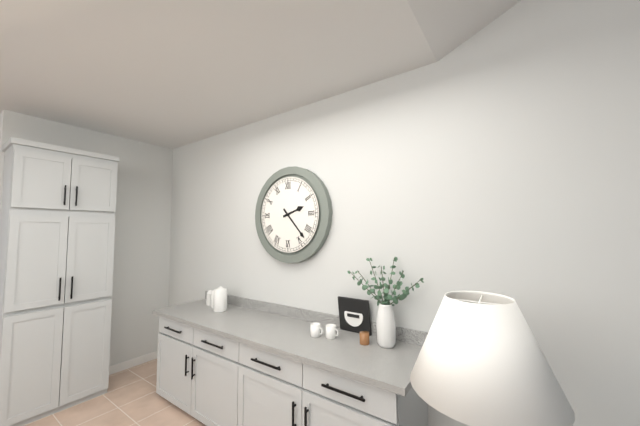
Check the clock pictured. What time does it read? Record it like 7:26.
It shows 2:23
